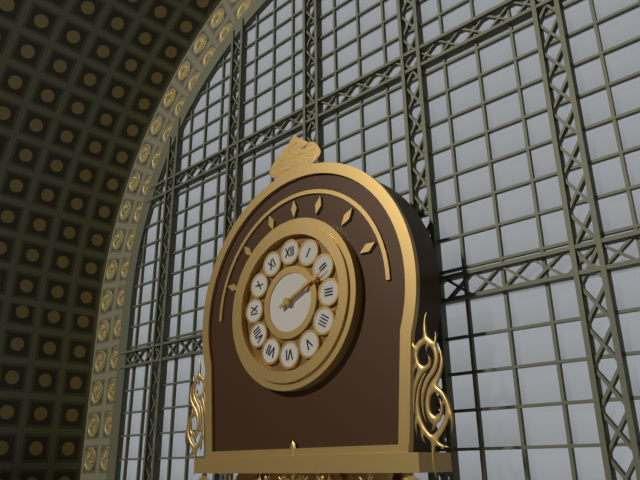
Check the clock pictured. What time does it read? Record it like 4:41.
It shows 2:11
